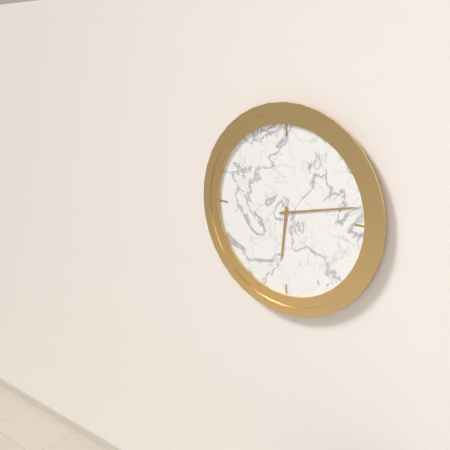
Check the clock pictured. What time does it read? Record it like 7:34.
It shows 6:13
